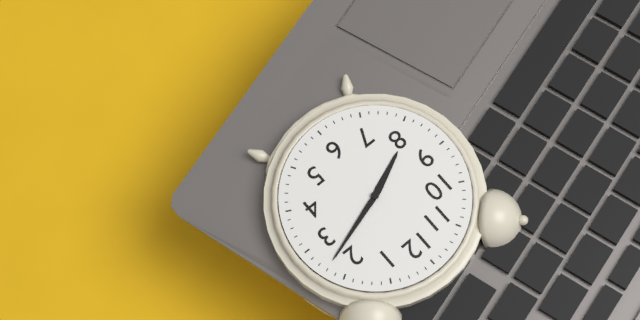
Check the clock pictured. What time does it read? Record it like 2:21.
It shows 8:12
